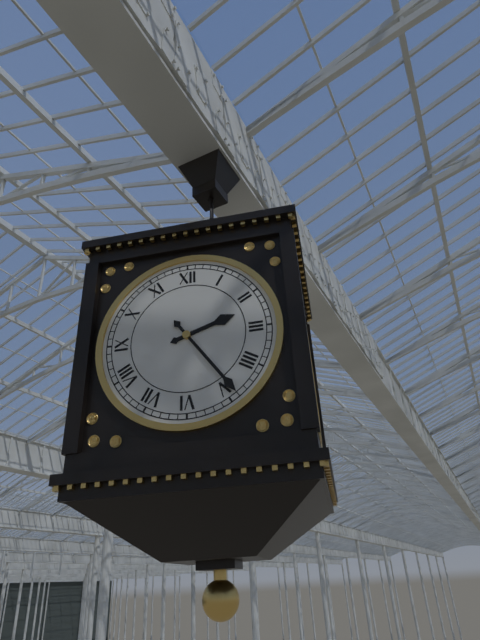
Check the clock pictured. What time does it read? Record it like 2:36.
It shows 2:24
